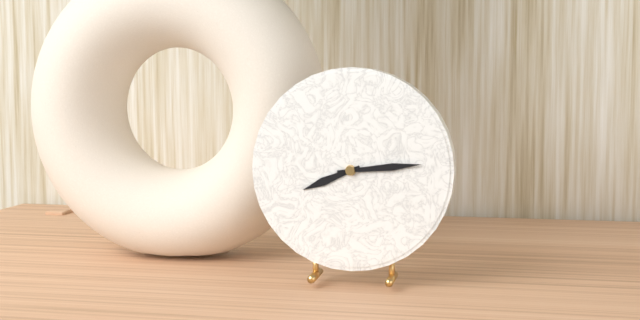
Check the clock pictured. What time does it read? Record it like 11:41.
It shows 8:14
